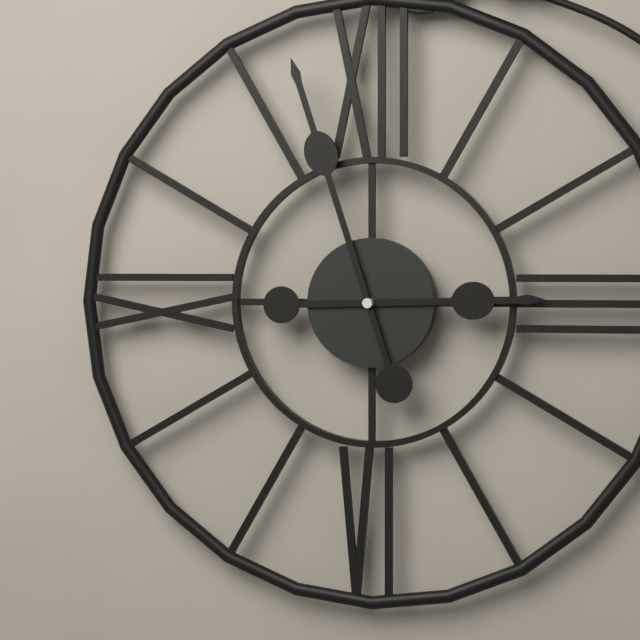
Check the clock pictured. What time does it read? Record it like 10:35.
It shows 2:57
